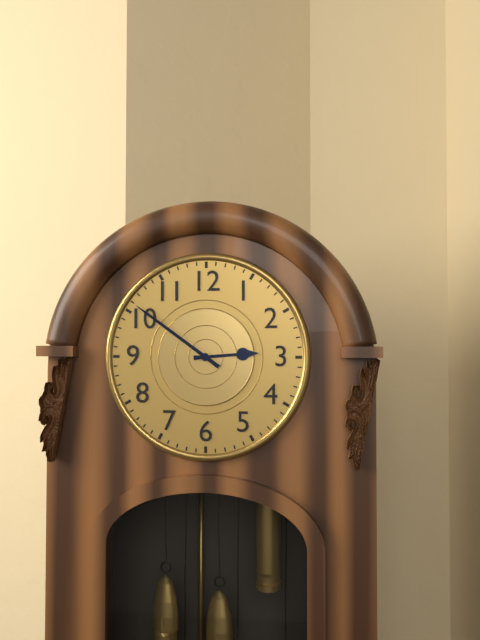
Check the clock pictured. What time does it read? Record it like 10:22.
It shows 2:51
